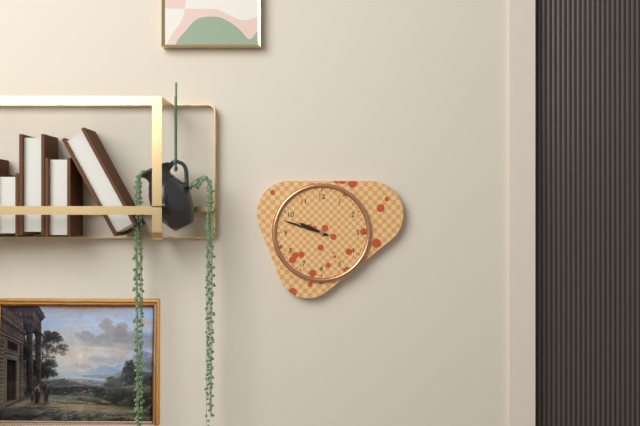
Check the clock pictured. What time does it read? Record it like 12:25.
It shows 9:48
